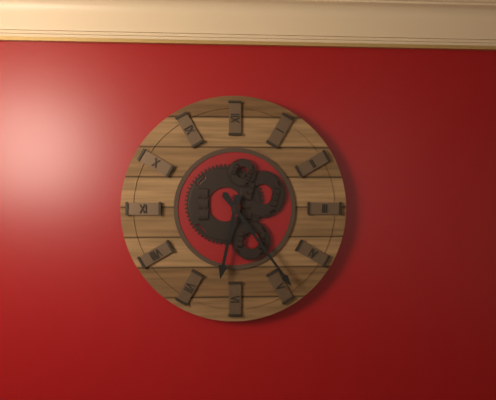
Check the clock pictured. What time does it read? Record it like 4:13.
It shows 6:24
